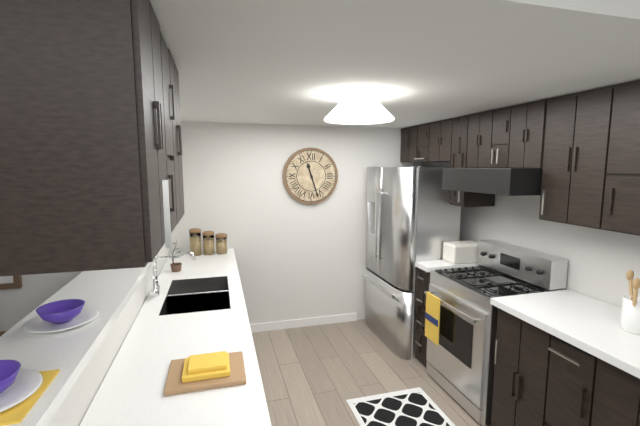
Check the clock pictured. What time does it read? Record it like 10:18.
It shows 11:27
